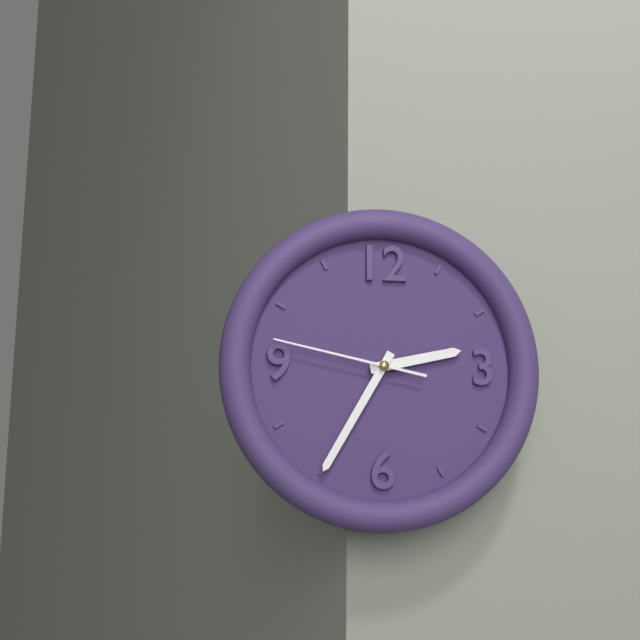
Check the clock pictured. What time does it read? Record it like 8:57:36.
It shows 2:35:47
